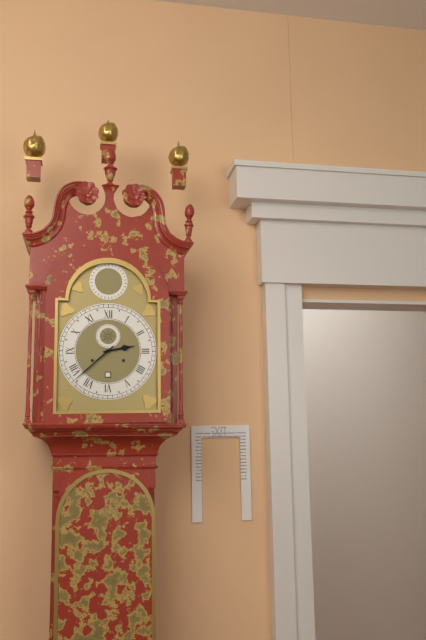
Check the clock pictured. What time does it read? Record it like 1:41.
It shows 2:38
